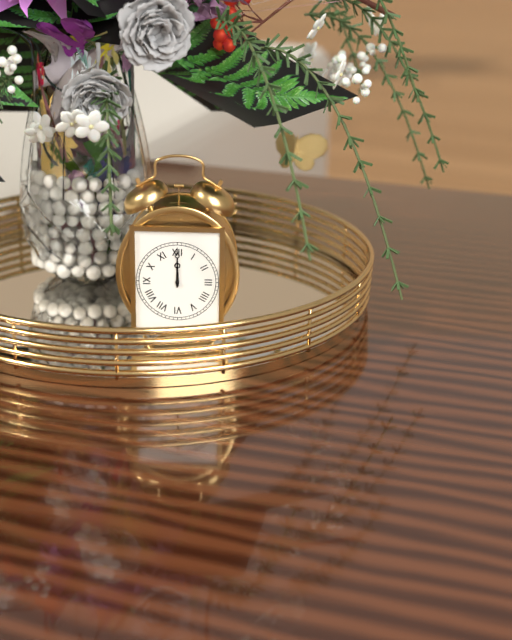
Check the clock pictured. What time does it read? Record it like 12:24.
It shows 12:00
